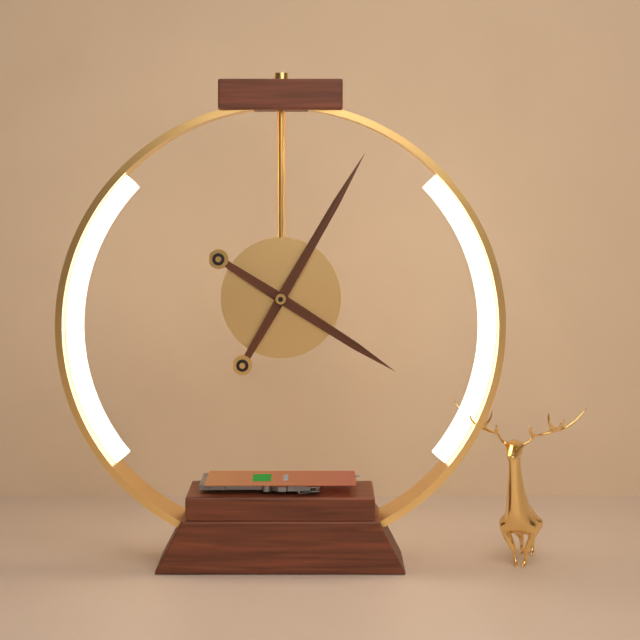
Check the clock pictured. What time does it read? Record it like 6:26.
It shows 4:05
